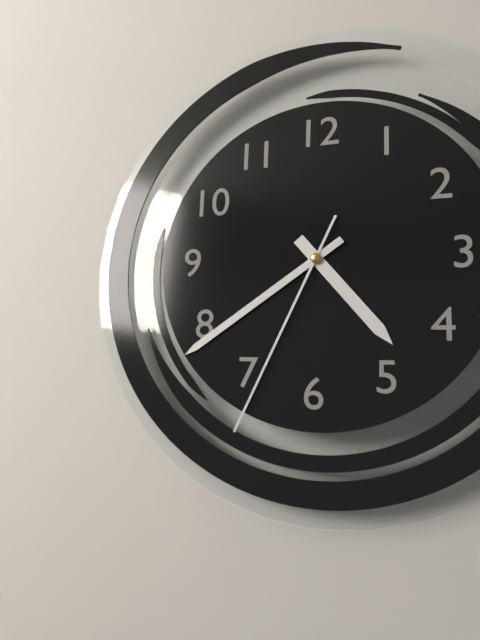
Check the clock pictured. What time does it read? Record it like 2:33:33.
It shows 4:39:34
